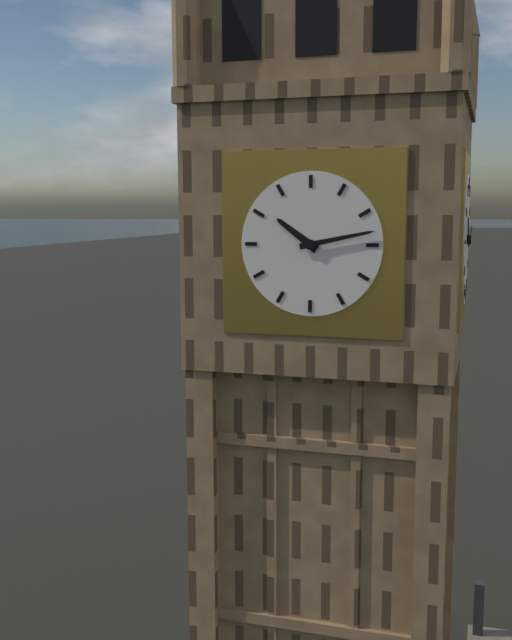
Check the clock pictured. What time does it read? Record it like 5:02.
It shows 10:13
